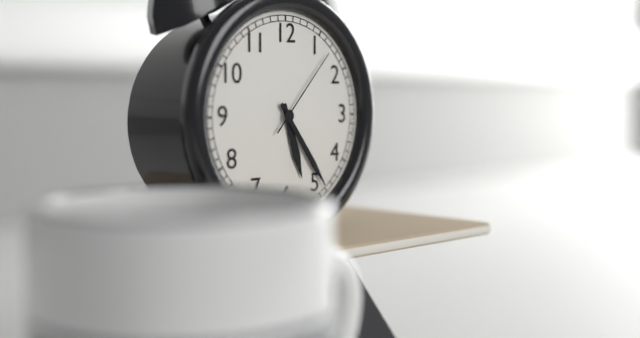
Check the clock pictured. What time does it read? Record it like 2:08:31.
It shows 5:24:07
